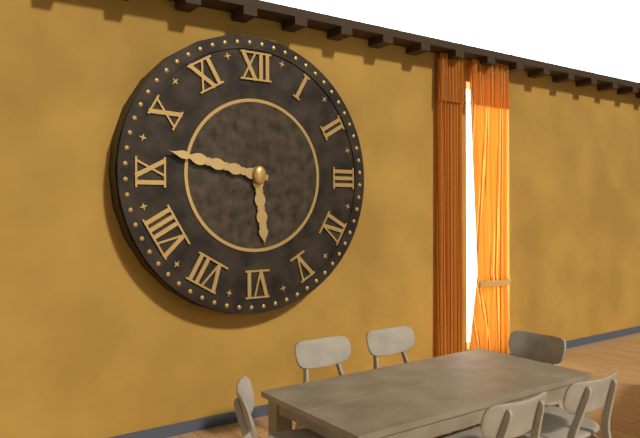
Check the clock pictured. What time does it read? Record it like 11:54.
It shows 5:47
